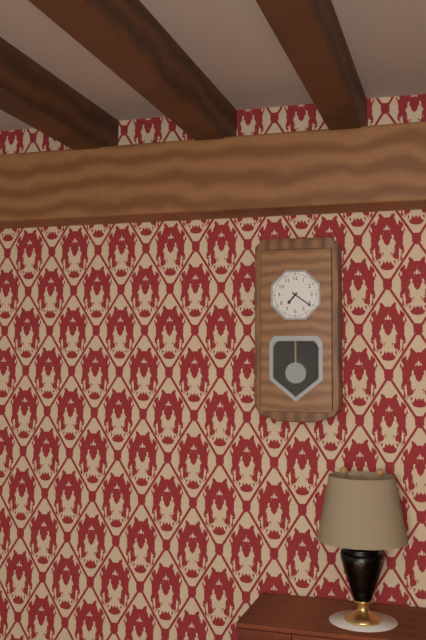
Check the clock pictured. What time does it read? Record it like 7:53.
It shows 7:21
